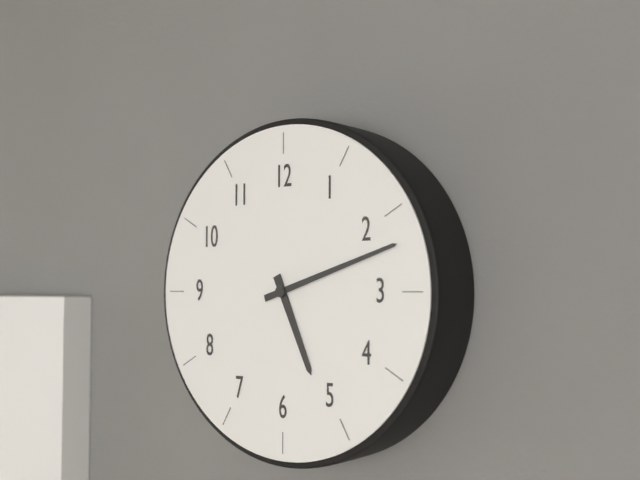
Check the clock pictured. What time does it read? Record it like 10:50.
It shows 5:12
